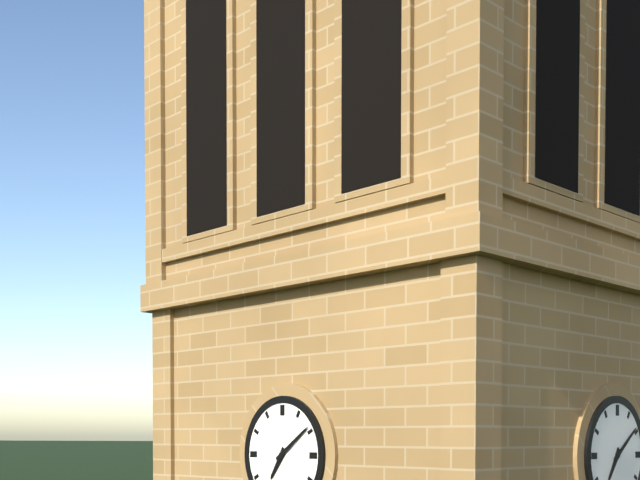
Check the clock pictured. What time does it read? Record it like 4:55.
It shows 7:09
